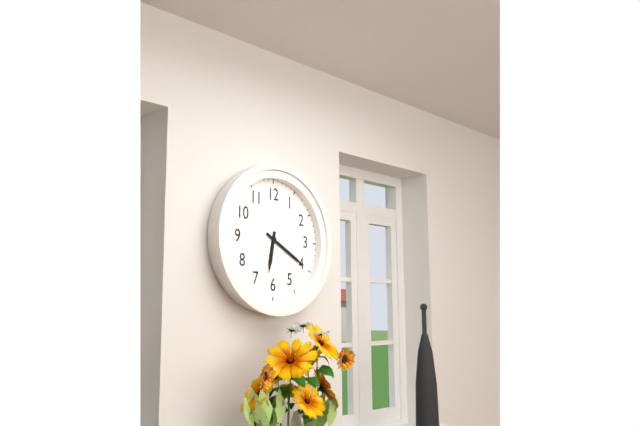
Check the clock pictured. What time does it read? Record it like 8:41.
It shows 6:20
